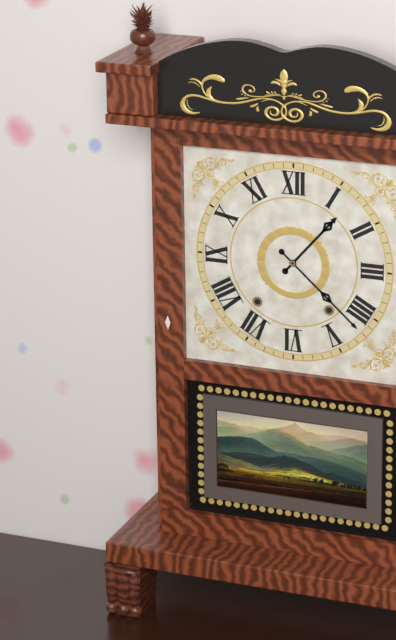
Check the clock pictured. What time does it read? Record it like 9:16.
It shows 1:22
